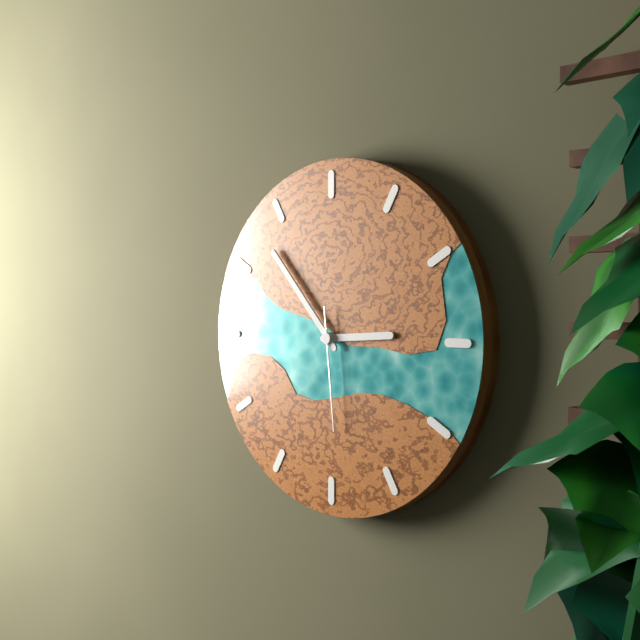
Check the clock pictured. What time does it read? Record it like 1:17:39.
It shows 2:53:29
